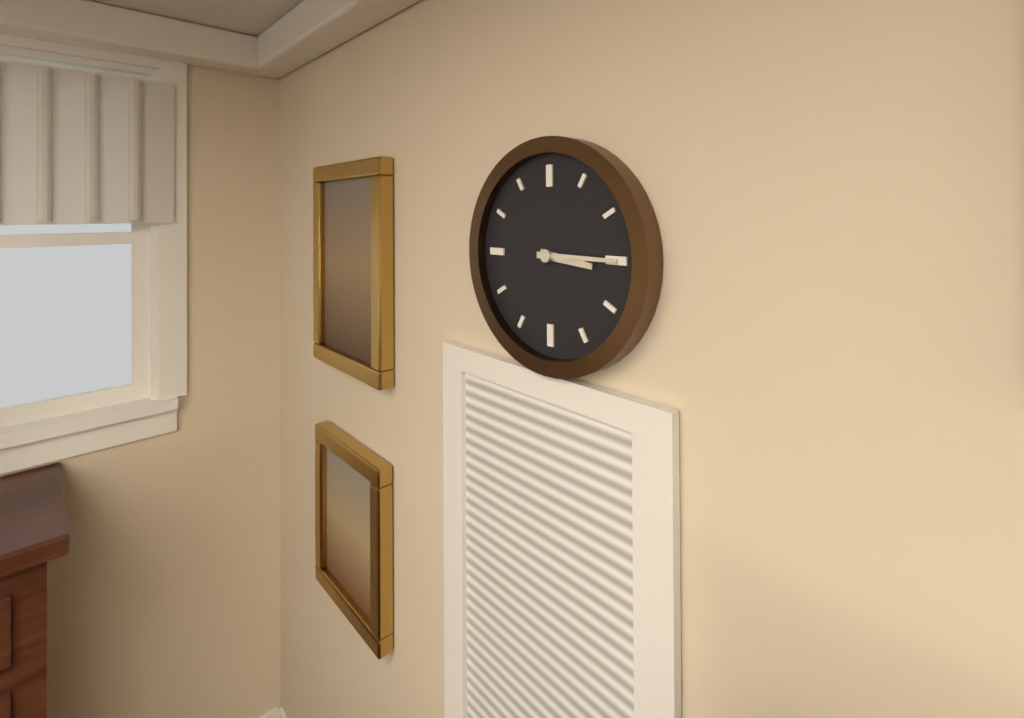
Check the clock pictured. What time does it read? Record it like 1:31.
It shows 3:15
